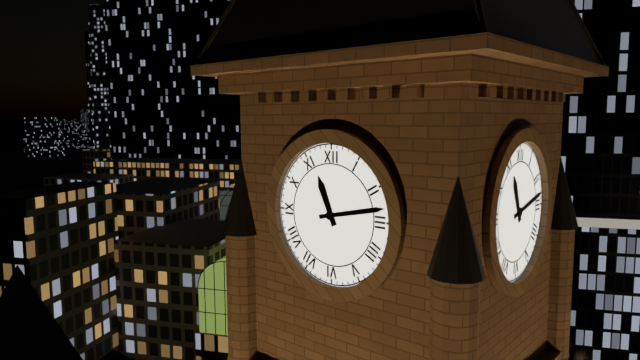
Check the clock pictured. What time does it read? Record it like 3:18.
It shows 11:13
